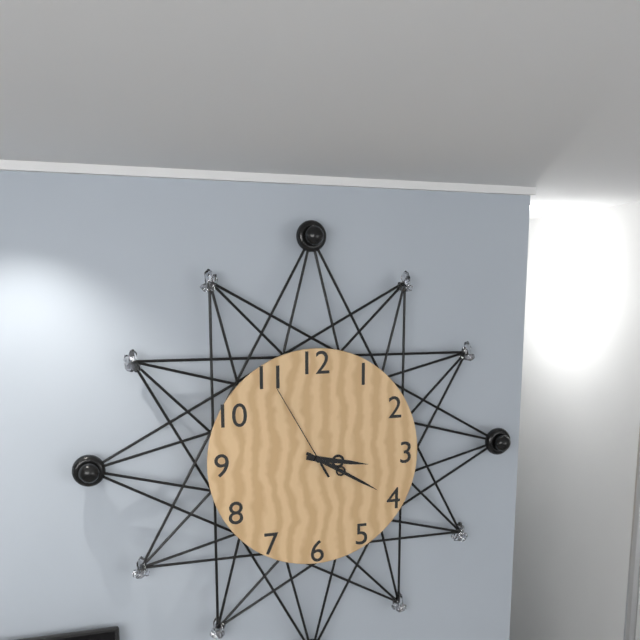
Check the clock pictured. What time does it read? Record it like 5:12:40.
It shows 3:20:55
